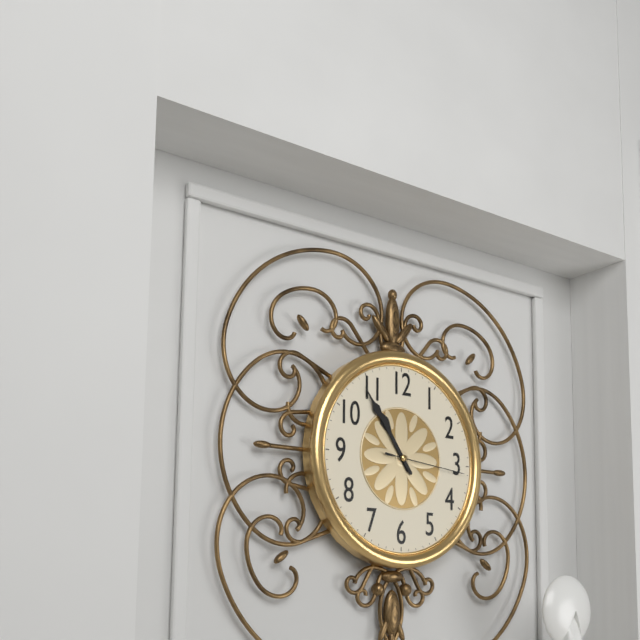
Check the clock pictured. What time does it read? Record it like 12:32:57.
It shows 10:54:16
